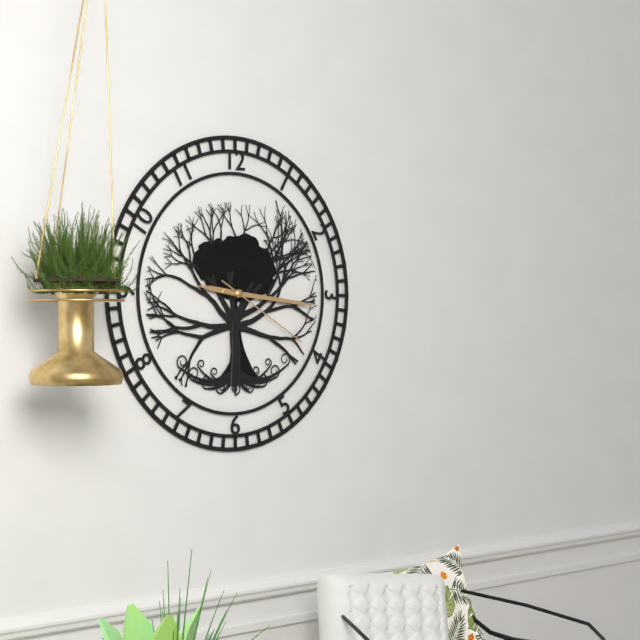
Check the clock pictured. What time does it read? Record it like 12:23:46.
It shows 9:16:20
